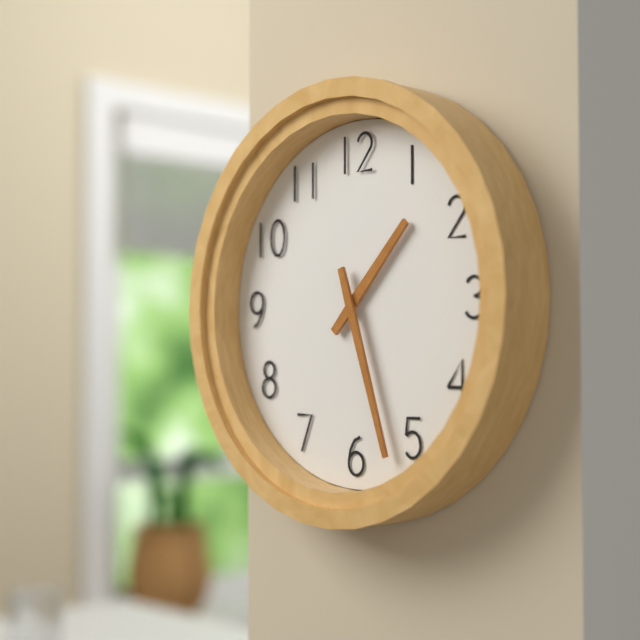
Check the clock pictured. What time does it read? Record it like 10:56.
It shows 1:27
